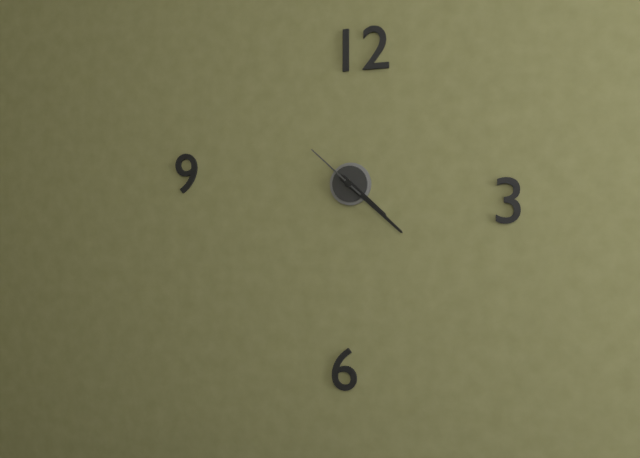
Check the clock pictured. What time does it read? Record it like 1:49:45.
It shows 4:22:52
